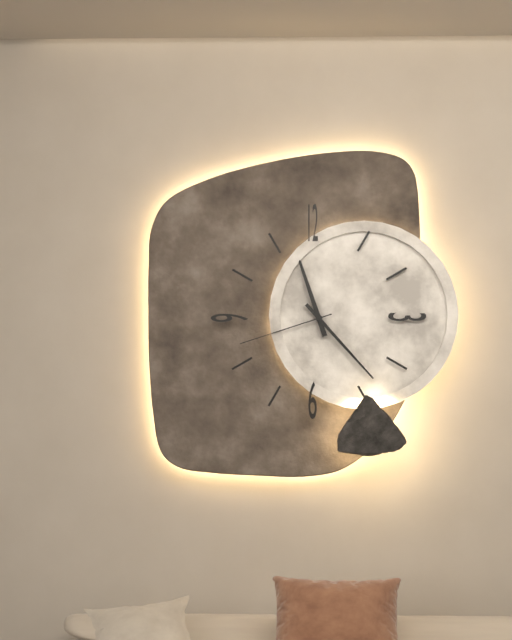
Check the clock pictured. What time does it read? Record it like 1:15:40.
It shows 11:23:42
